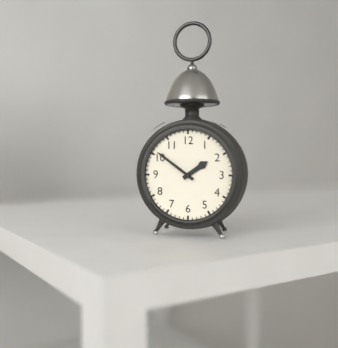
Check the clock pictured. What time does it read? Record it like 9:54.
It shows 1:51
